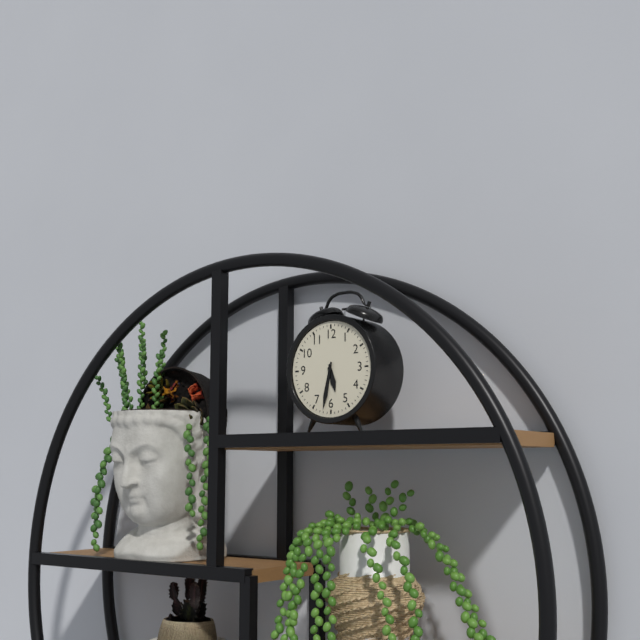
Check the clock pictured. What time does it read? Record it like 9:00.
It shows 5:32
